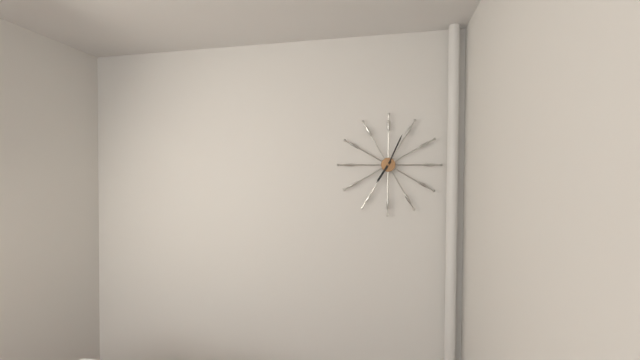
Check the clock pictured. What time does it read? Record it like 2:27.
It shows 7:04
